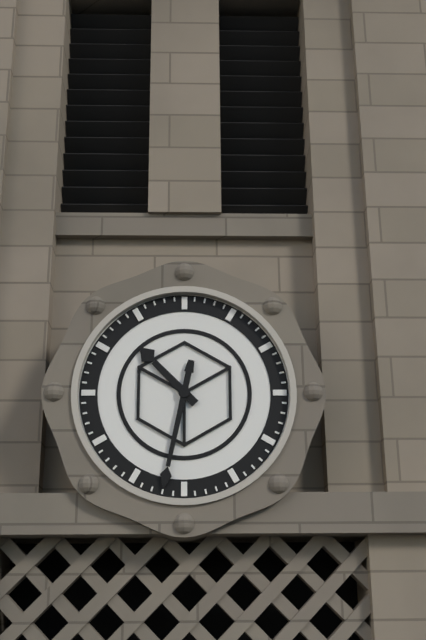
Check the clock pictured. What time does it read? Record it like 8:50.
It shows 10:32
